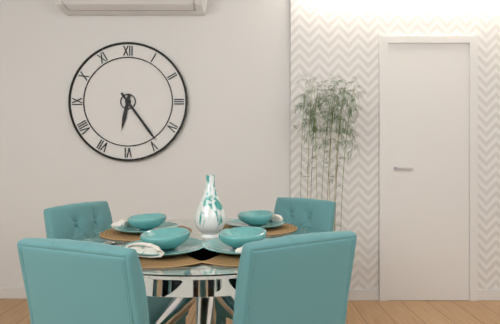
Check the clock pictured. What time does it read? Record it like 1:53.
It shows 6:24
